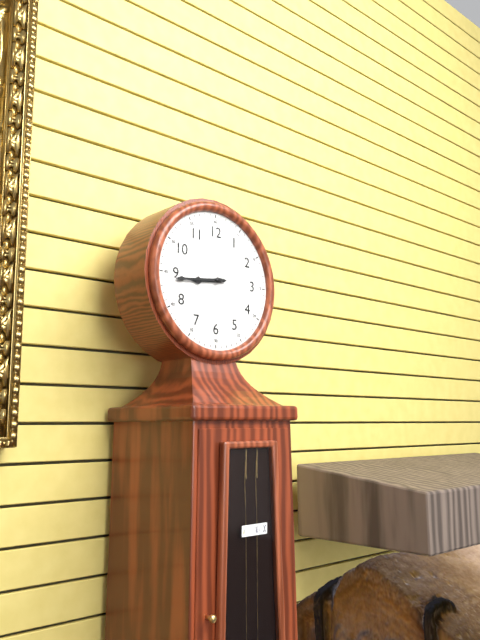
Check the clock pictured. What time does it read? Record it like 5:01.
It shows 8:44
